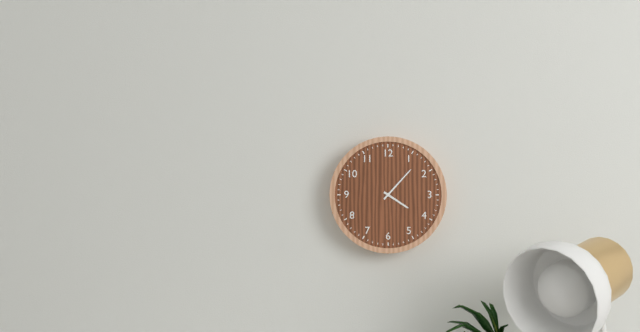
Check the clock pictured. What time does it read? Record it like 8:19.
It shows 4:07
